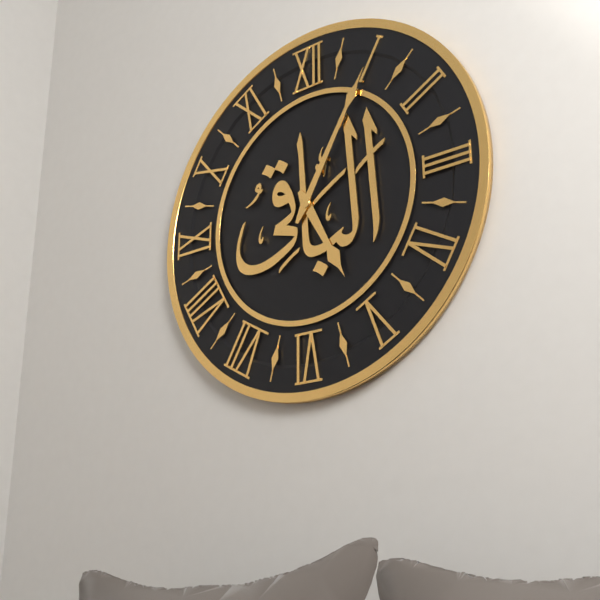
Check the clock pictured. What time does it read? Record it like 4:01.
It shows 5:05
